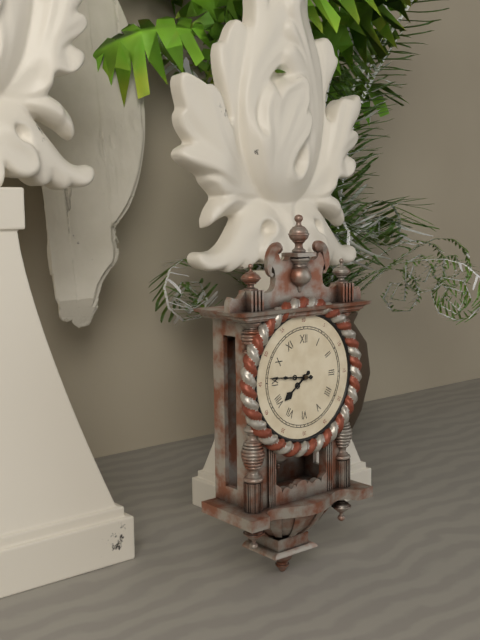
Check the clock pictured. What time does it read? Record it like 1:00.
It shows 7:46
